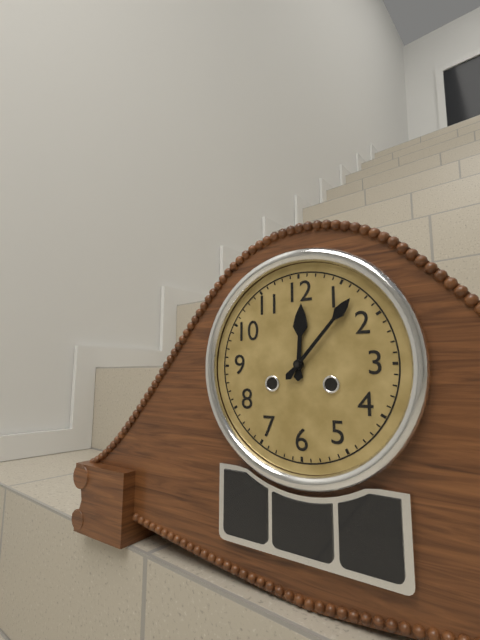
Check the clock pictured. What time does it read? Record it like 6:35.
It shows 12:07
